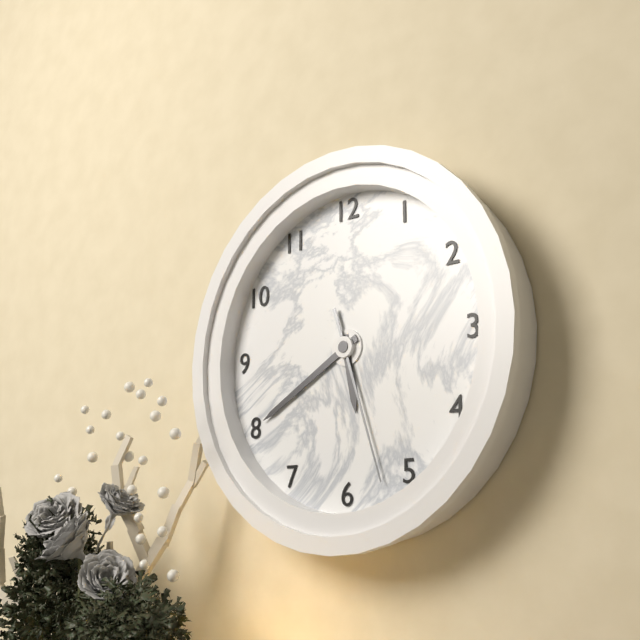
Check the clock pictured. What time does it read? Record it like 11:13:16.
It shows 5:40:27
